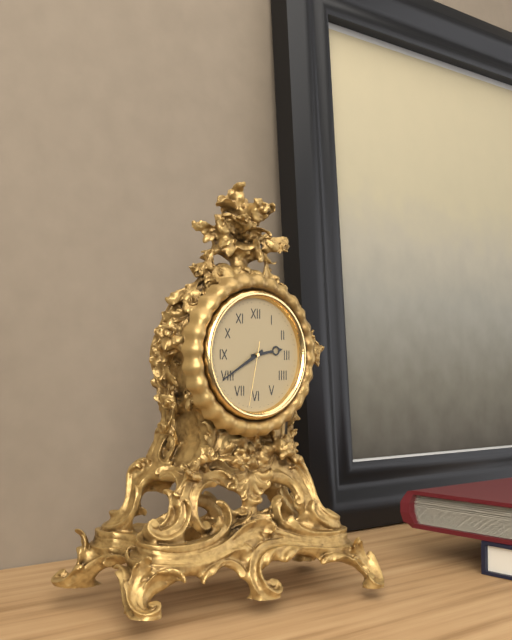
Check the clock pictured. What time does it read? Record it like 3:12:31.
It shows 2:40:32
